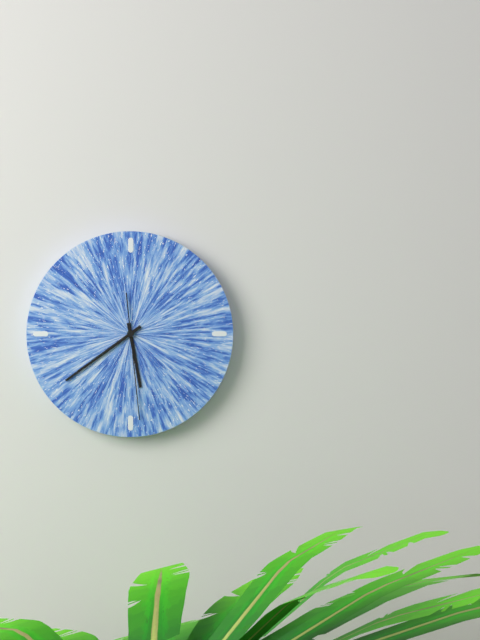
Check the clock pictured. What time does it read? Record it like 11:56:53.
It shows 5:39:29
